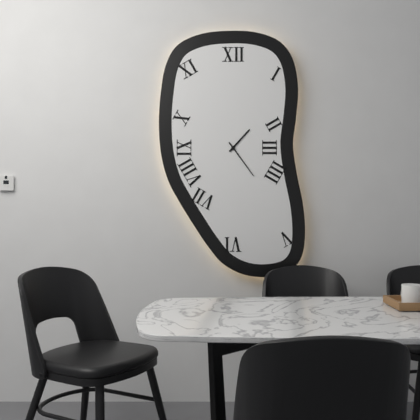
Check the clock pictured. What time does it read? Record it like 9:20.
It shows 1:24
